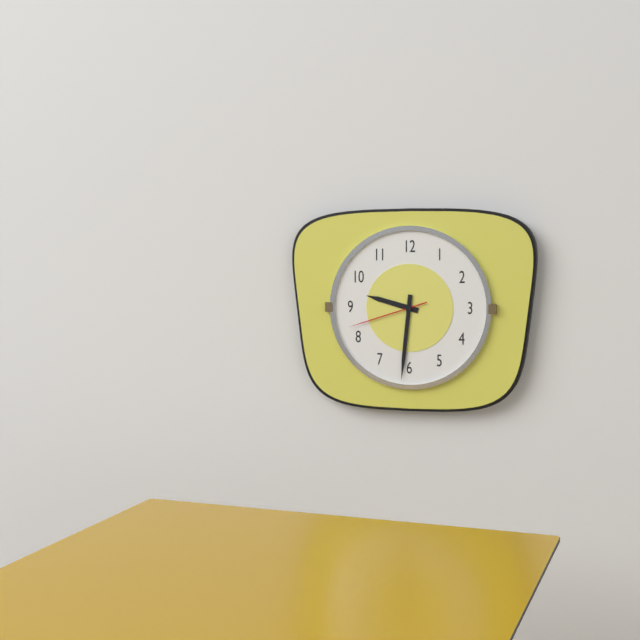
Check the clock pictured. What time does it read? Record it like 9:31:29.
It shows 9:31:42
